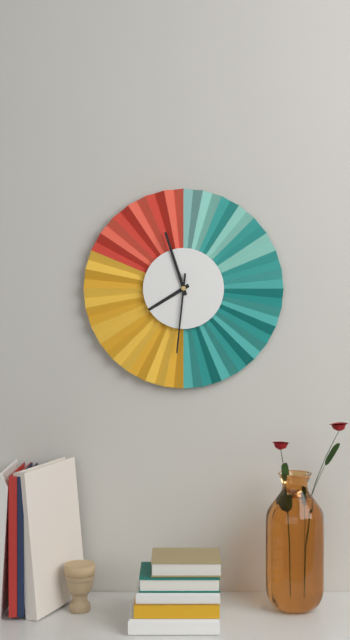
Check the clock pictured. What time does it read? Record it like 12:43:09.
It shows 7:57:31
